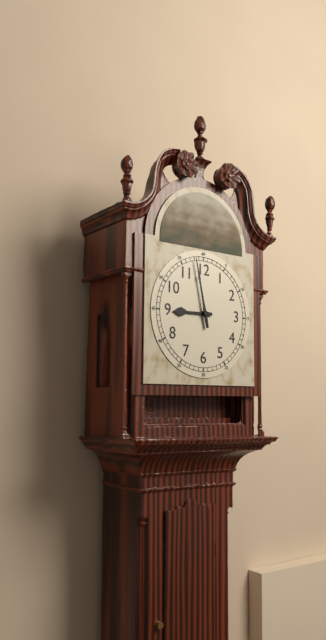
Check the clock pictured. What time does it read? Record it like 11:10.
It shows 8:58
